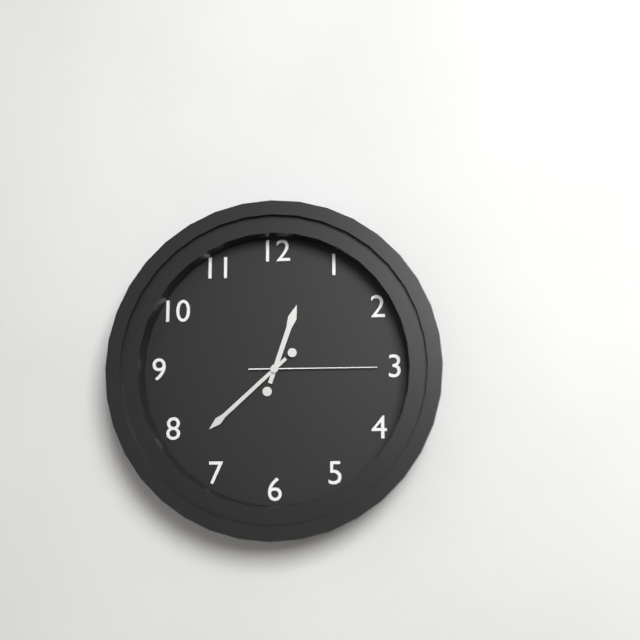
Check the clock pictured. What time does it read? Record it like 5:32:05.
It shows 12:38:15
